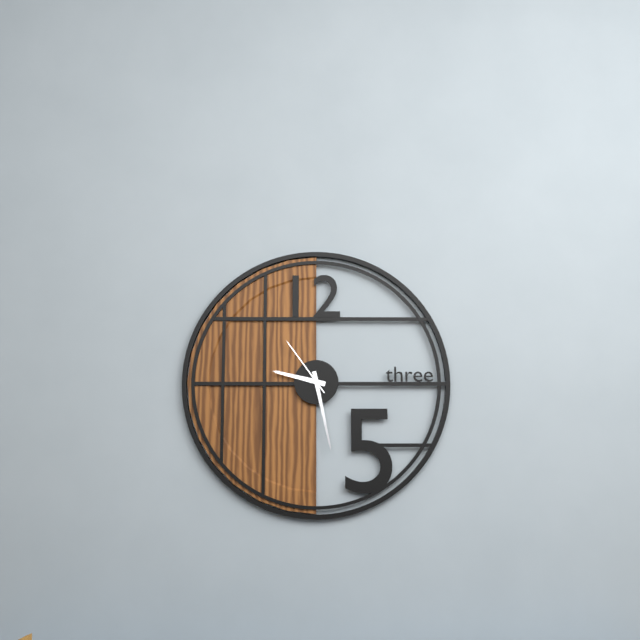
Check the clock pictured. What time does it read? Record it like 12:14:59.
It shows 9:28:54
